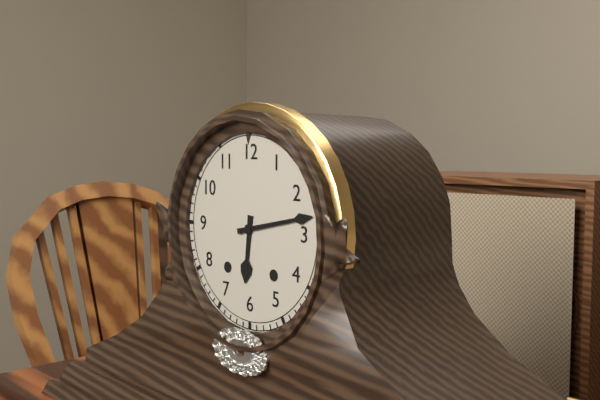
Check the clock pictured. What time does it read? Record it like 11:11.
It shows 6:13
